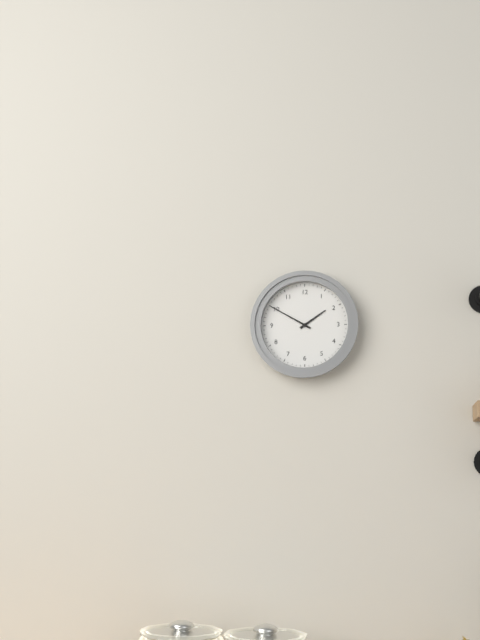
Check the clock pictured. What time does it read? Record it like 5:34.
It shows 1:50
